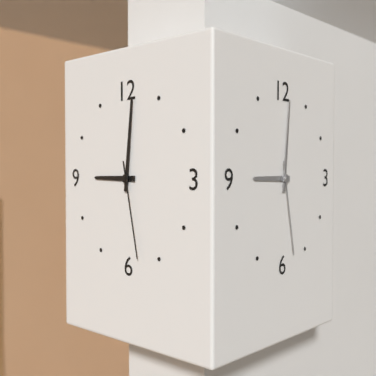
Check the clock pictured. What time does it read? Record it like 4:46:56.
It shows 9:01:28
